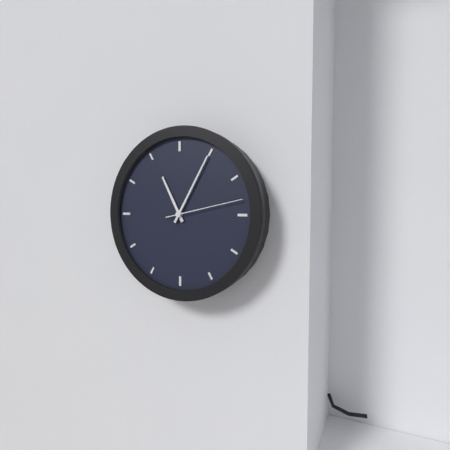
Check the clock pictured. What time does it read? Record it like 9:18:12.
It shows 11:05:13
